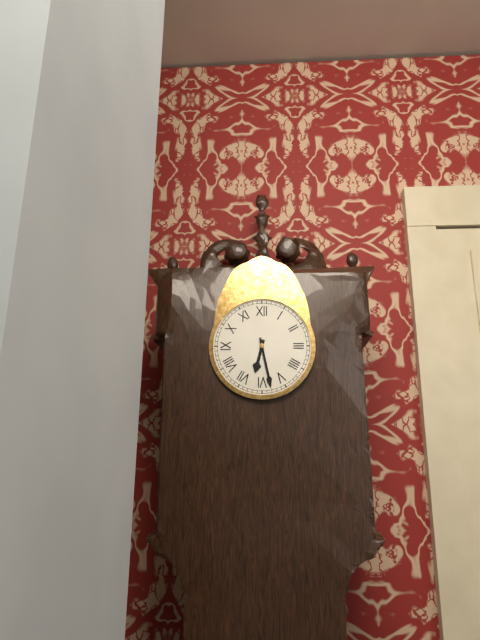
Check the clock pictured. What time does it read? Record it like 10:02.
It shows 6:28
